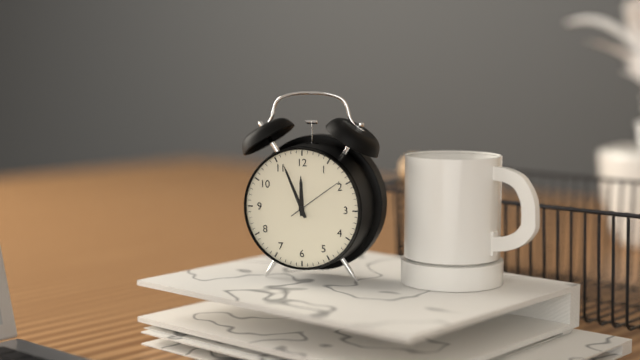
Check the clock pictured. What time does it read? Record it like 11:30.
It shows 11:56
